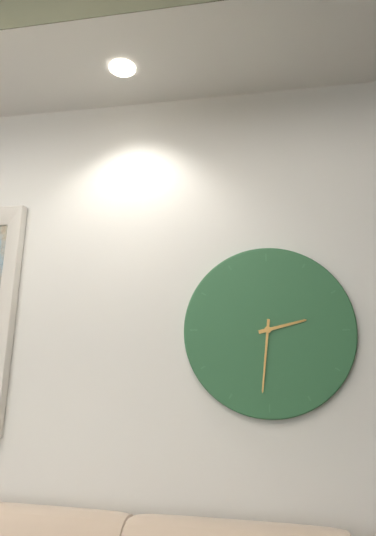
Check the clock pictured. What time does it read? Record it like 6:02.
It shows 2:31
